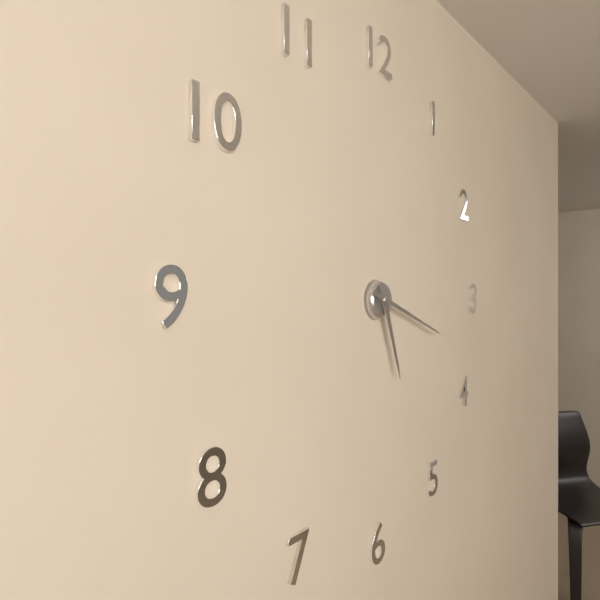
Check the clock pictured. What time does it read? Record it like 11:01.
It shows 5:18
